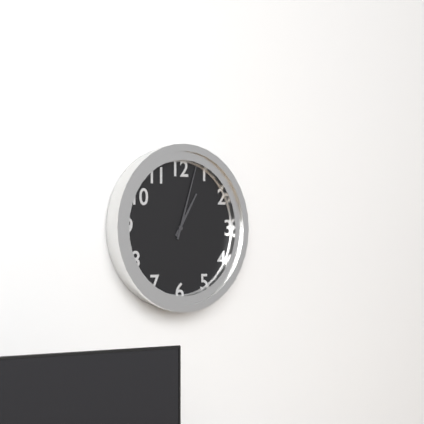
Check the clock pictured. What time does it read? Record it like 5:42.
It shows 1:03
